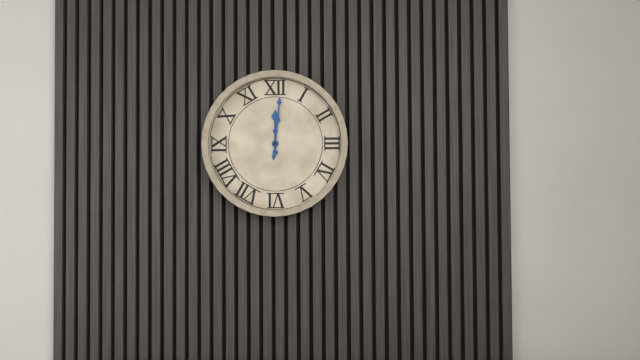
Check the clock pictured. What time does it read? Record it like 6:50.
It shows 12:01
